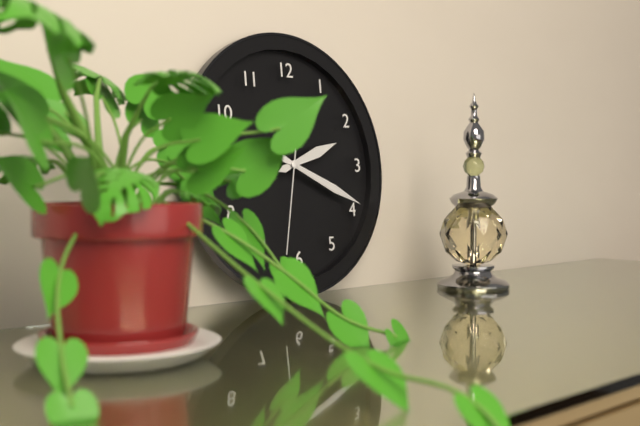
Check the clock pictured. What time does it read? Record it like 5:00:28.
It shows 2:19:32
